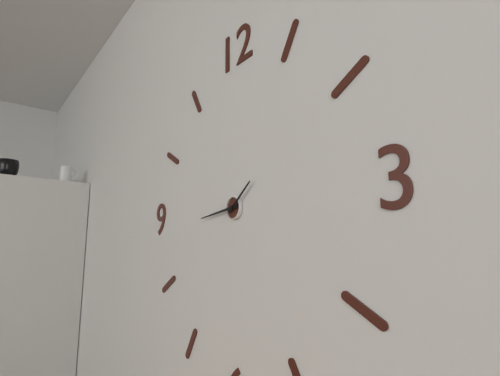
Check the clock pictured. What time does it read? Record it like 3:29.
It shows 1:44
